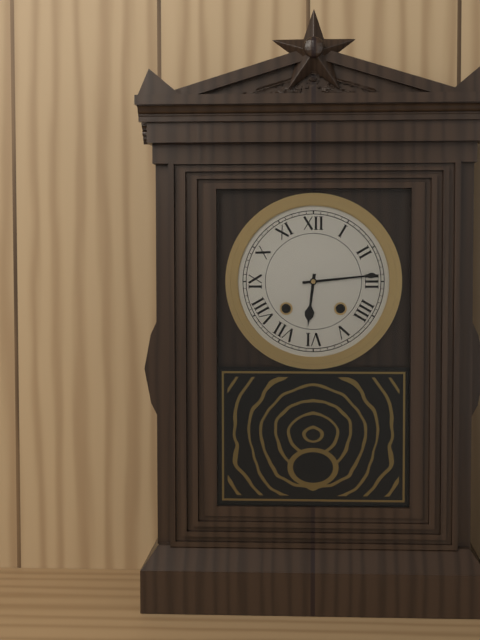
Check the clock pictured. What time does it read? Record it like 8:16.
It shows 6:14
